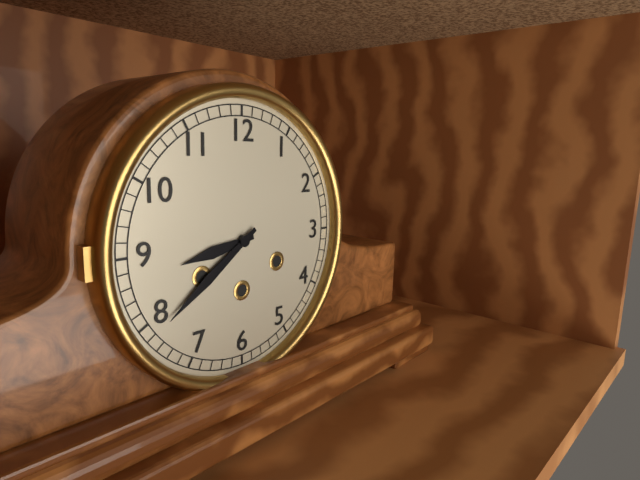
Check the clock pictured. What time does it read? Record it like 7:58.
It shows 8:39
